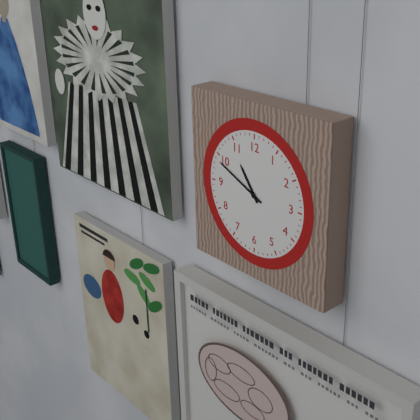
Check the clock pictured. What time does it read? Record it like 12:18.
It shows 10:49
